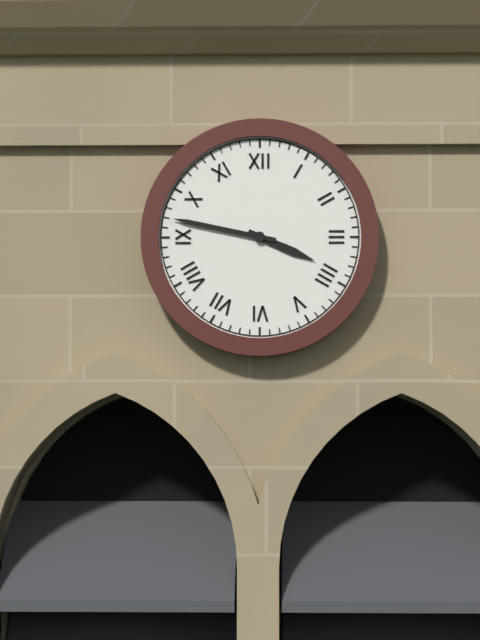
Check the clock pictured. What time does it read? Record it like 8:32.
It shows 3:47
